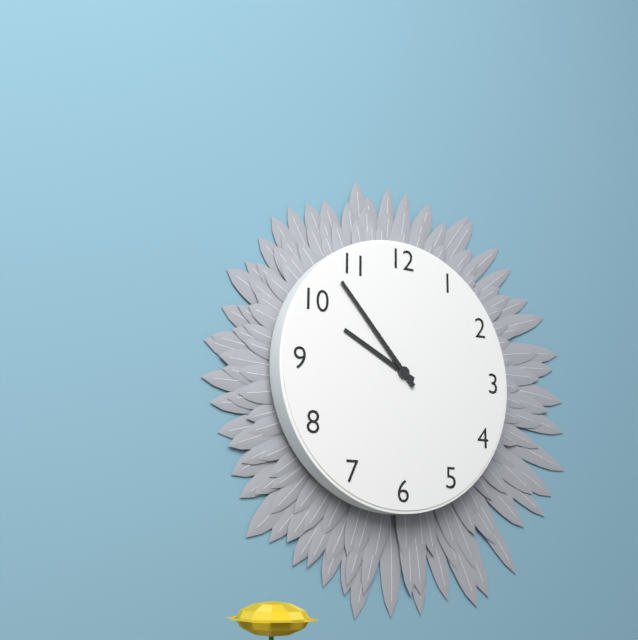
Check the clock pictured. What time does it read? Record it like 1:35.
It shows 9:53
